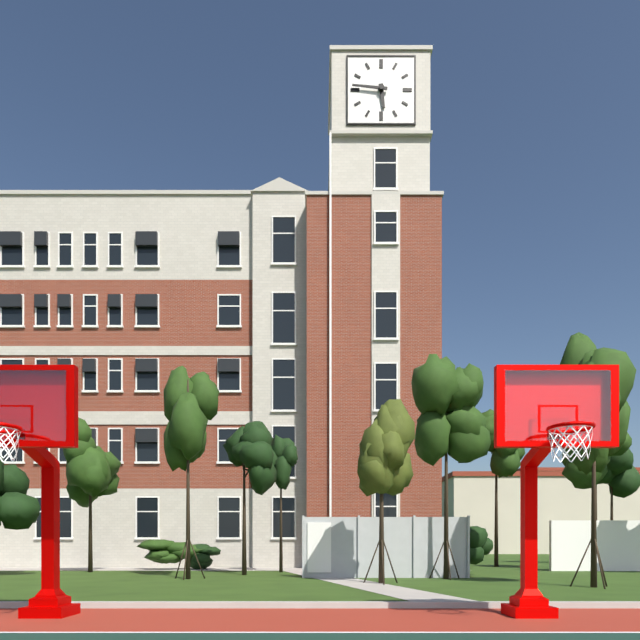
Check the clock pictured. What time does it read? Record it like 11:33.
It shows 5:46
